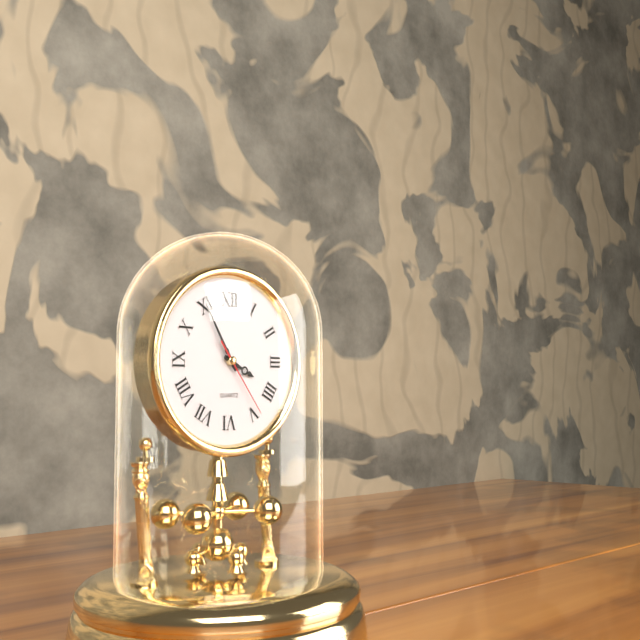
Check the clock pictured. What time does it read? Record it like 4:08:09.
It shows 3:55:24
